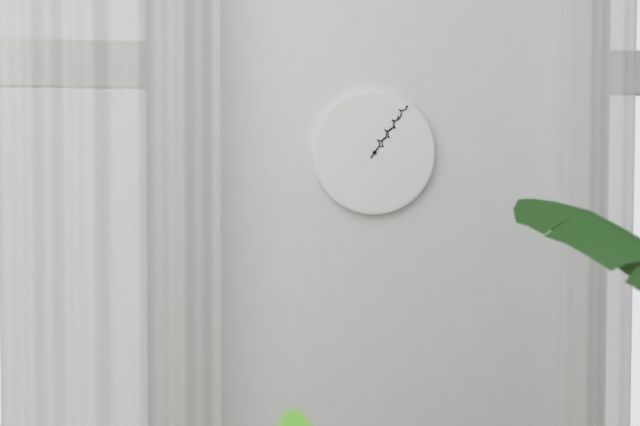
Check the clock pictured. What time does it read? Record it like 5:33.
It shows 1:06
